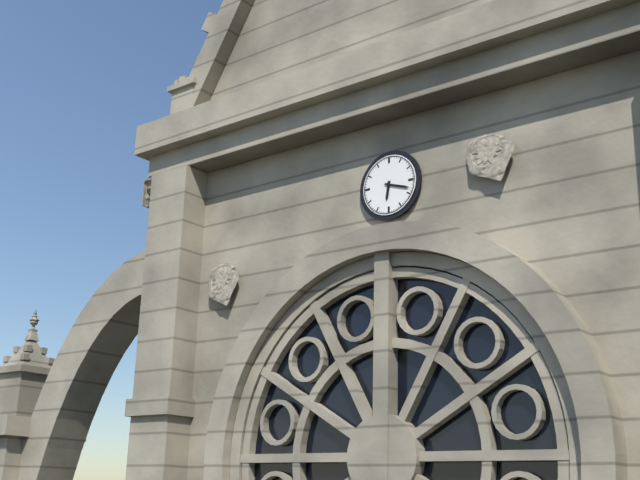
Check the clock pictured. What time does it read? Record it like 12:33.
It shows 6:18
